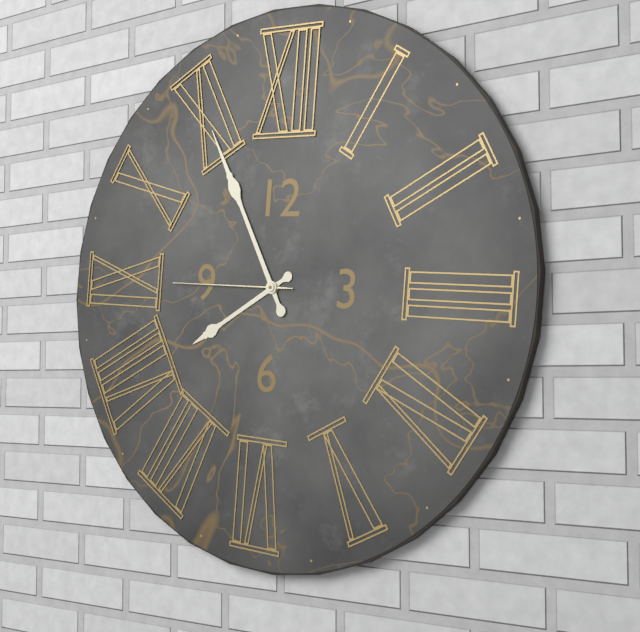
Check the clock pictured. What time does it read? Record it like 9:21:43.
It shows 7:55:45
